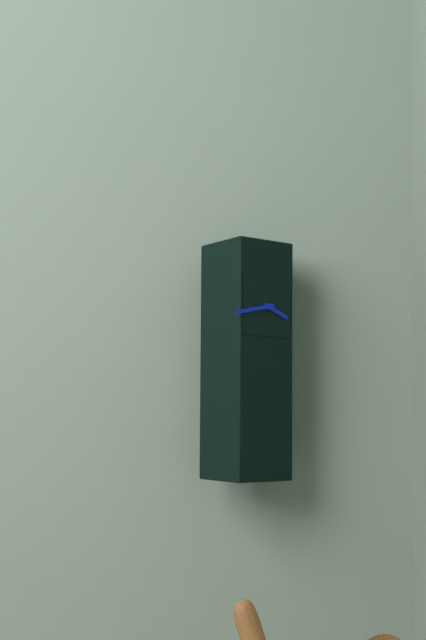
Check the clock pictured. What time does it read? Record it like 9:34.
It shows 3:43
